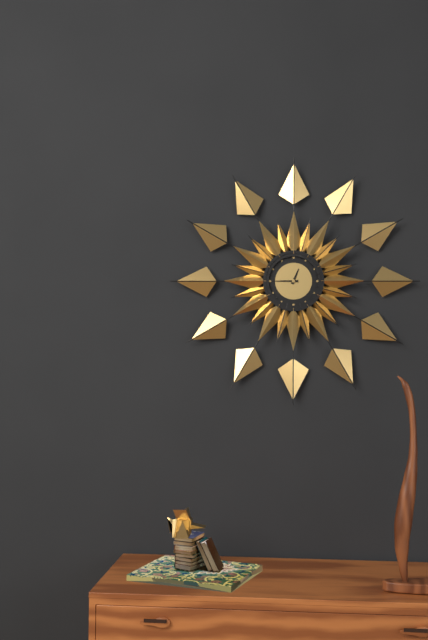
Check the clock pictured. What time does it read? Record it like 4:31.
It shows 12:45
